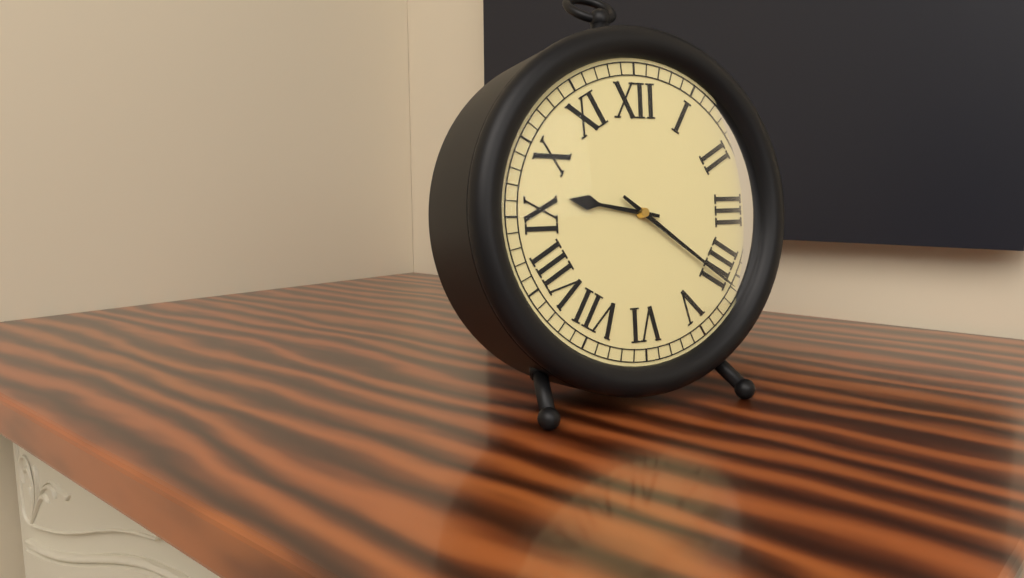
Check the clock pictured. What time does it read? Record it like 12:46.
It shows 9:21
